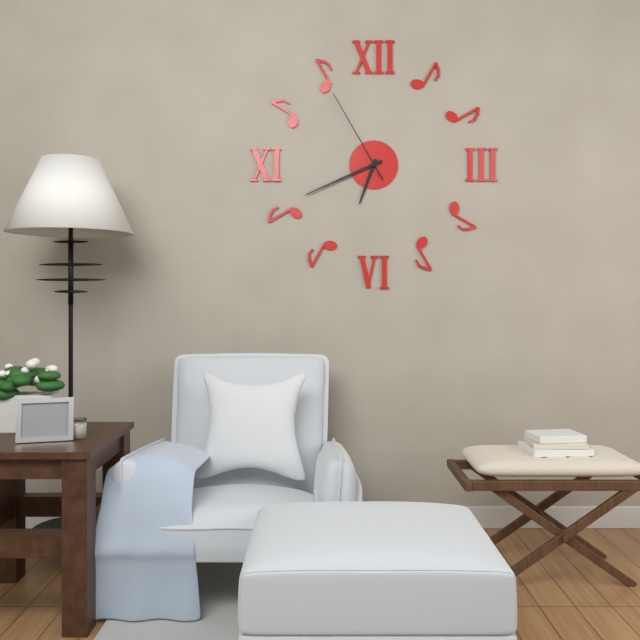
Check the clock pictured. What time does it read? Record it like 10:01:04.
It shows 6:41:55
